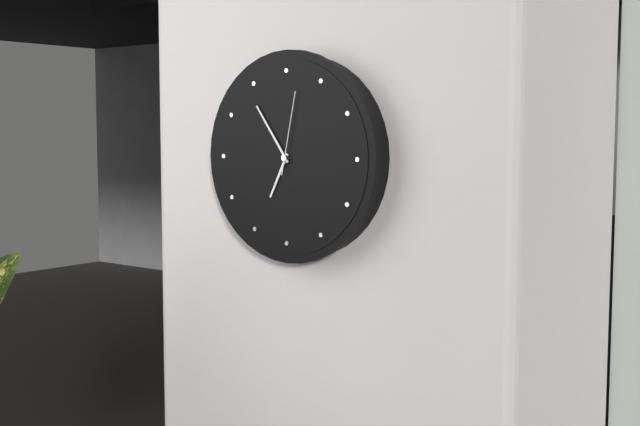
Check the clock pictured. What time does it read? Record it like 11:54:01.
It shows 6:54:02
